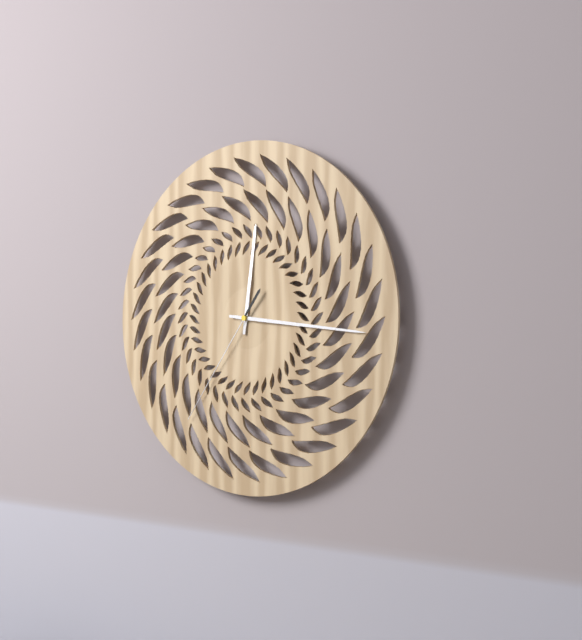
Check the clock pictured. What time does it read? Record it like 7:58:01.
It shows 12:16:36
